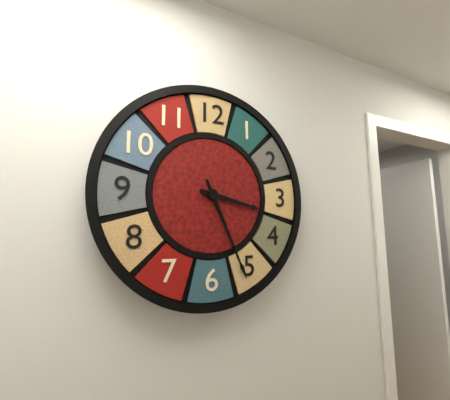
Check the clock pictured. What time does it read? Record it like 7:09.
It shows 3:26
